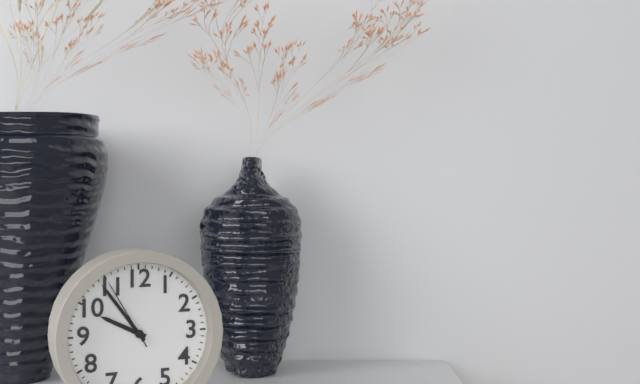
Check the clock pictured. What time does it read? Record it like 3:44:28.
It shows 9:54:55
